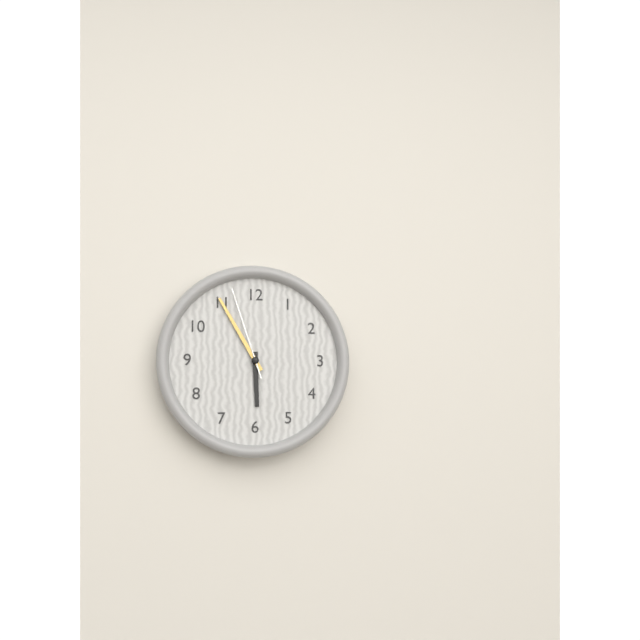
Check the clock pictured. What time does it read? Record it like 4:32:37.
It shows 5:55:57
